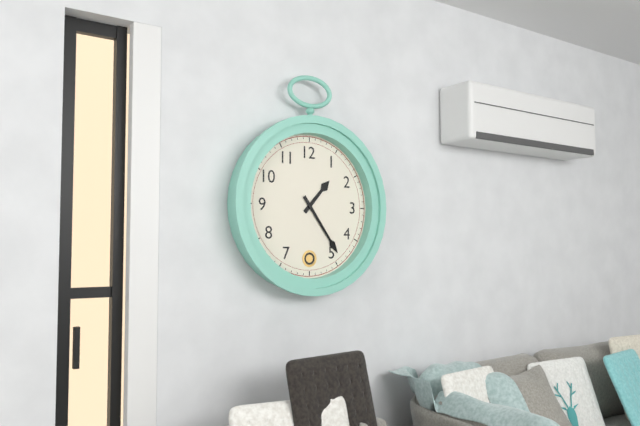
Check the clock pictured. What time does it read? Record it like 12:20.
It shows 1:24
